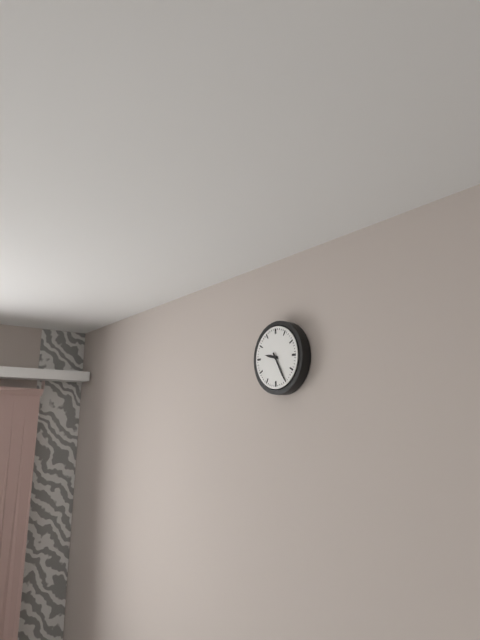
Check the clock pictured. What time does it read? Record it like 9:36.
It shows 9:25
